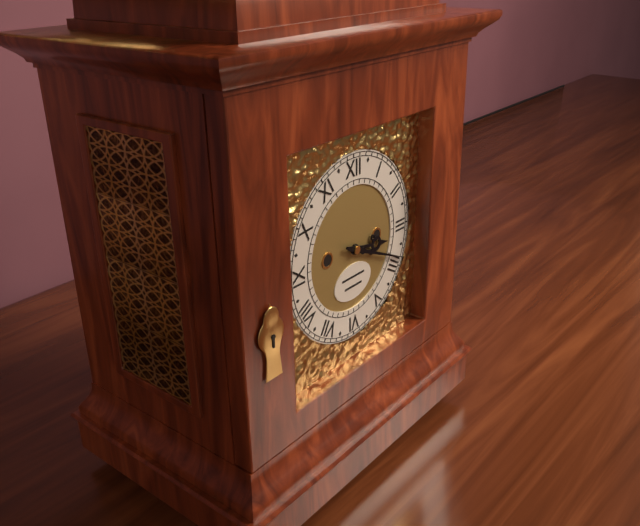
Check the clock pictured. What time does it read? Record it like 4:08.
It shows 3:19
